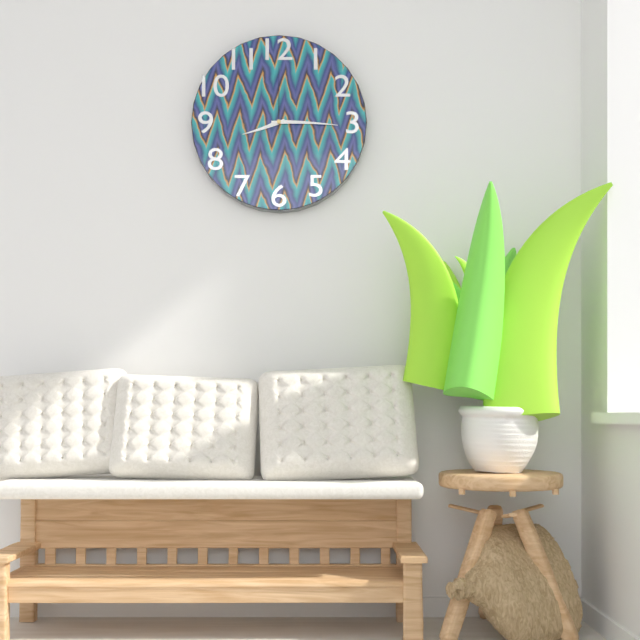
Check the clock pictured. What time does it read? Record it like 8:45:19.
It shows 8:15:00
